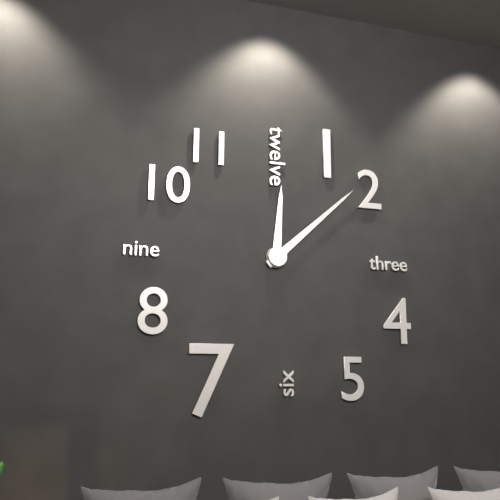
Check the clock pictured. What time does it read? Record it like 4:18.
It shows 12:08
